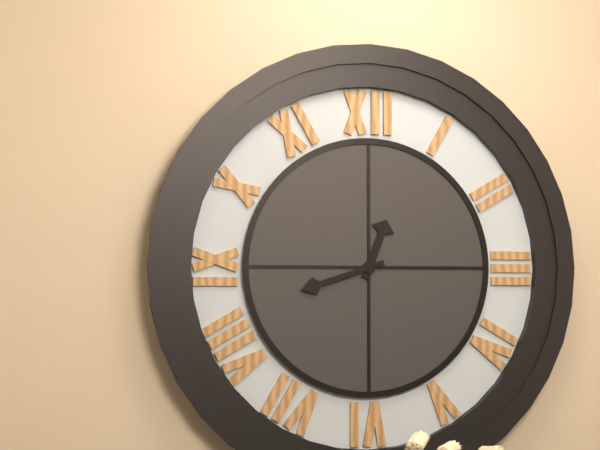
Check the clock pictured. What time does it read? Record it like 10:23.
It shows 12:42
